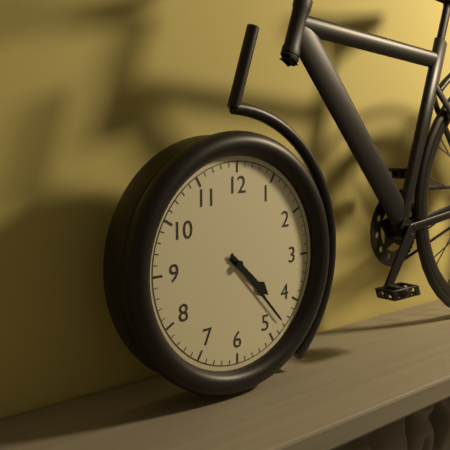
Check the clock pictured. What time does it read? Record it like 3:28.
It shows 4:23
